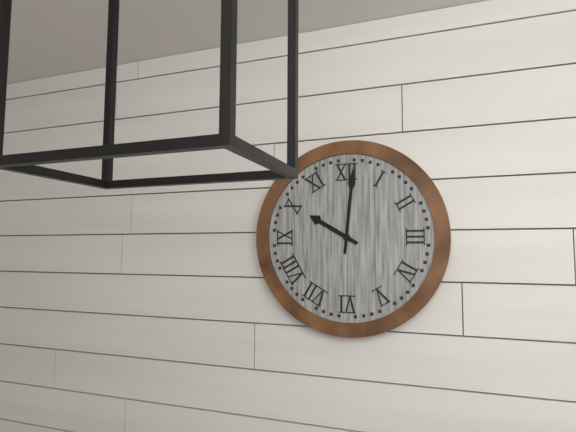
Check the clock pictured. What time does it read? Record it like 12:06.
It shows 10:01
